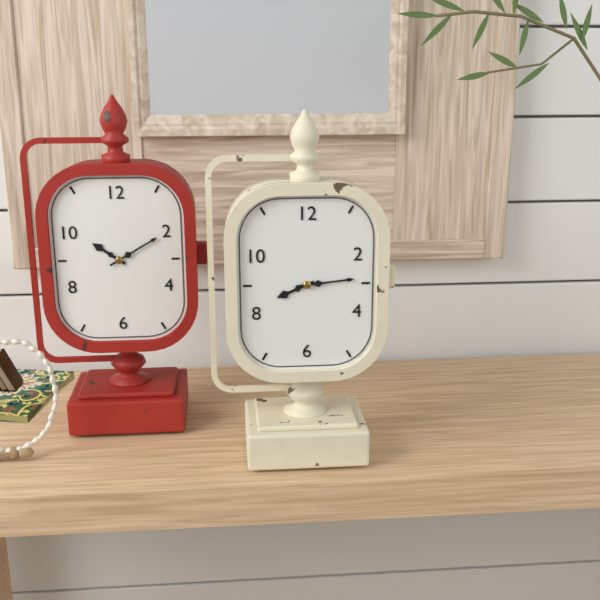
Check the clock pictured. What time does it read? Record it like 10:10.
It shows 8:14
